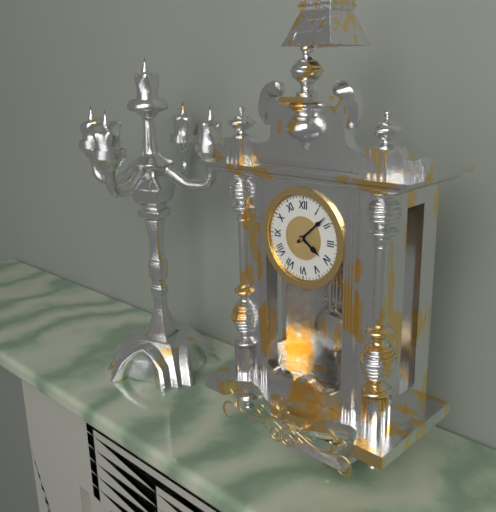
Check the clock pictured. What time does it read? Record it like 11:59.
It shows 4:08
